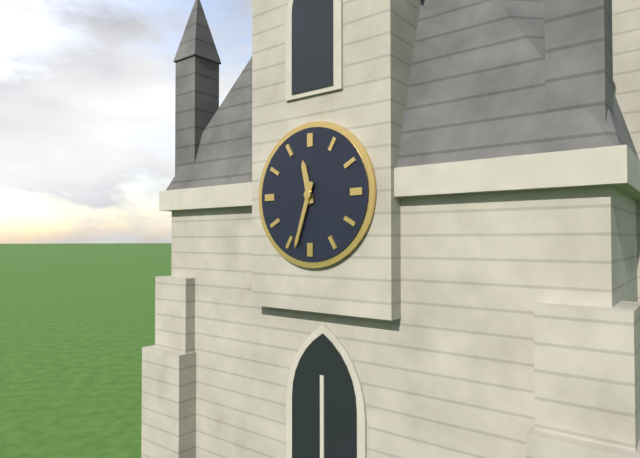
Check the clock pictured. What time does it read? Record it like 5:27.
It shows 11:33
